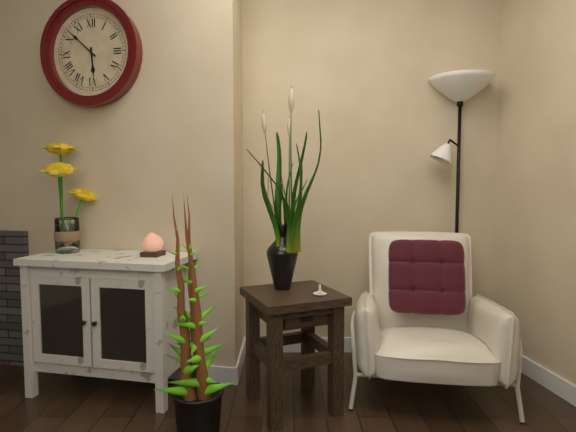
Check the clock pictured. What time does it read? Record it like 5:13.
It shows 5:52
